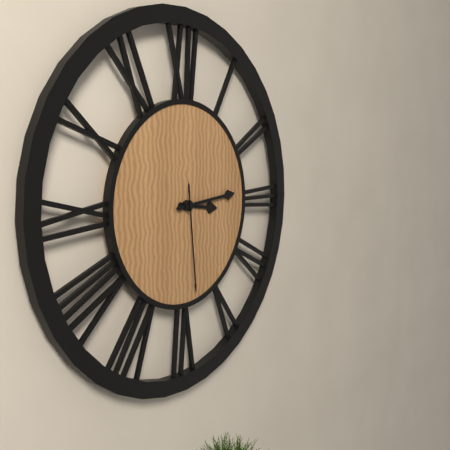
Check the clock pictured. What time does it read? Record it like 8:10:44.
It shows 3:14:29
